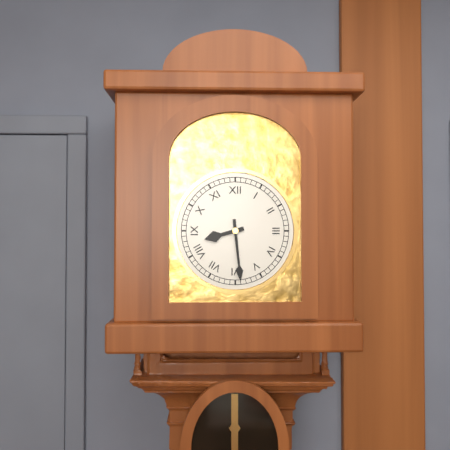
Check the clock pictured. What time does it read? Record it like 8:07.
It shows 8:29
